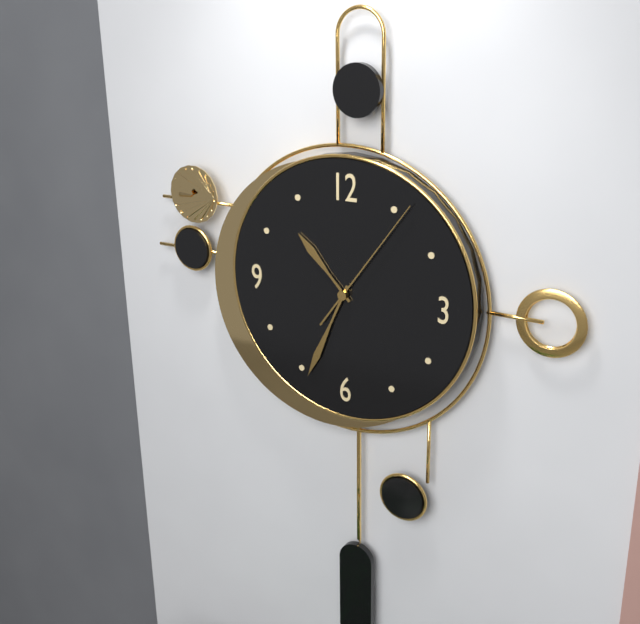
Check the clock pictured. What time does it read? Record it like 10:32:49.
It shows 10:34:06
